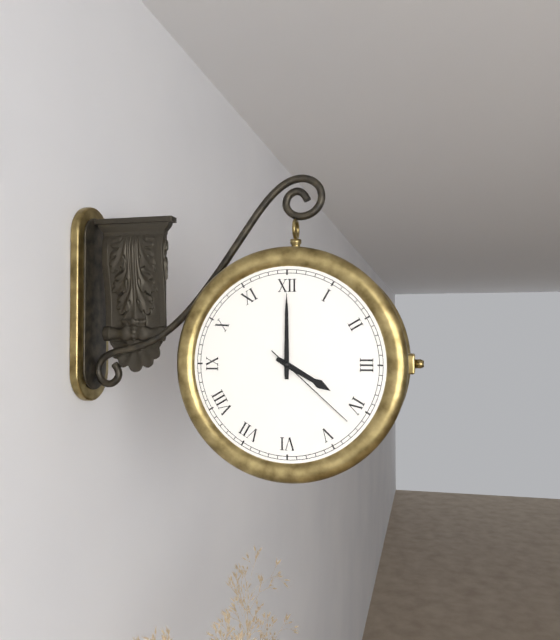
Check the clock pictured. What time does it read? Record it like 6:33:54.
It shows 4:00:22
